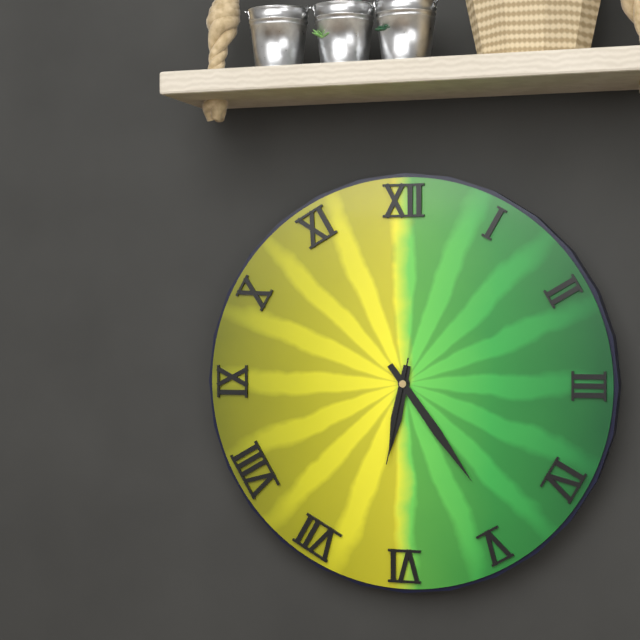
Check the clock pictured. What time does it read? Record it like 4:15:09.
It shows 6:24:32
